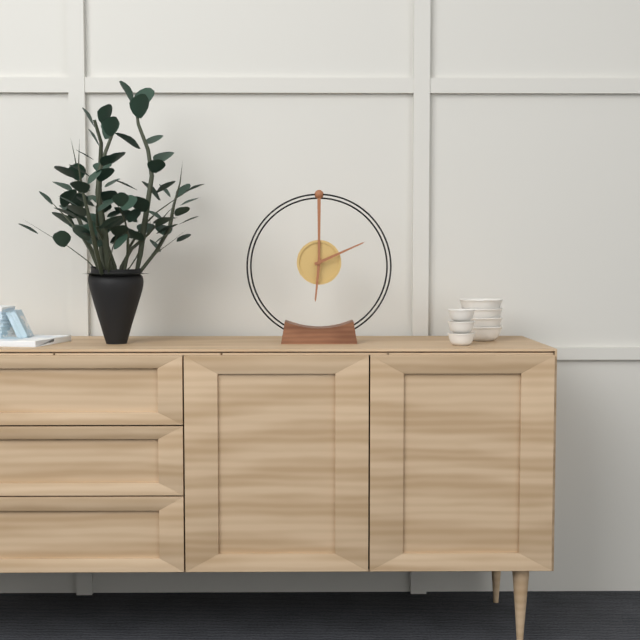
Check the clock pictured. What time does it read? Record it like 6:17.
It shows 6:11
